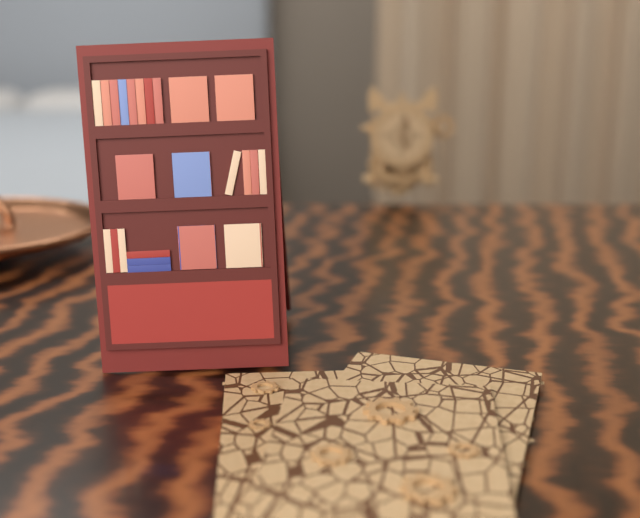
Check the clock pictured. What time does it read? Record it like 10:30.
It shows 5:02
